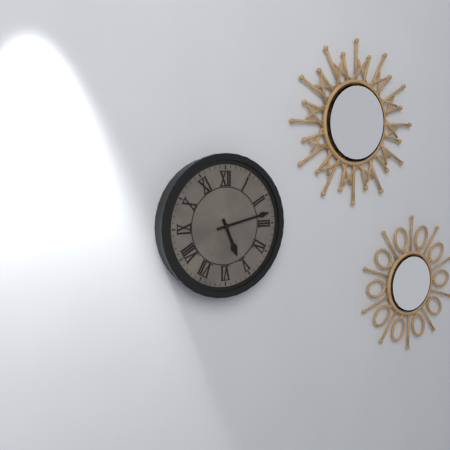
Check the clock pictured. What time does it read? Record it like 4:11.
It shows 5:13
